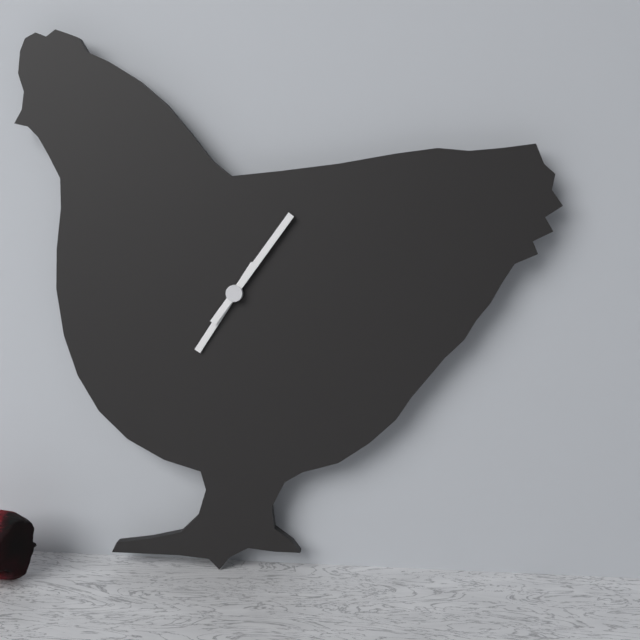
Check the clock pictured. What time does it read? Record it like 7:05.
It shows 7:06
